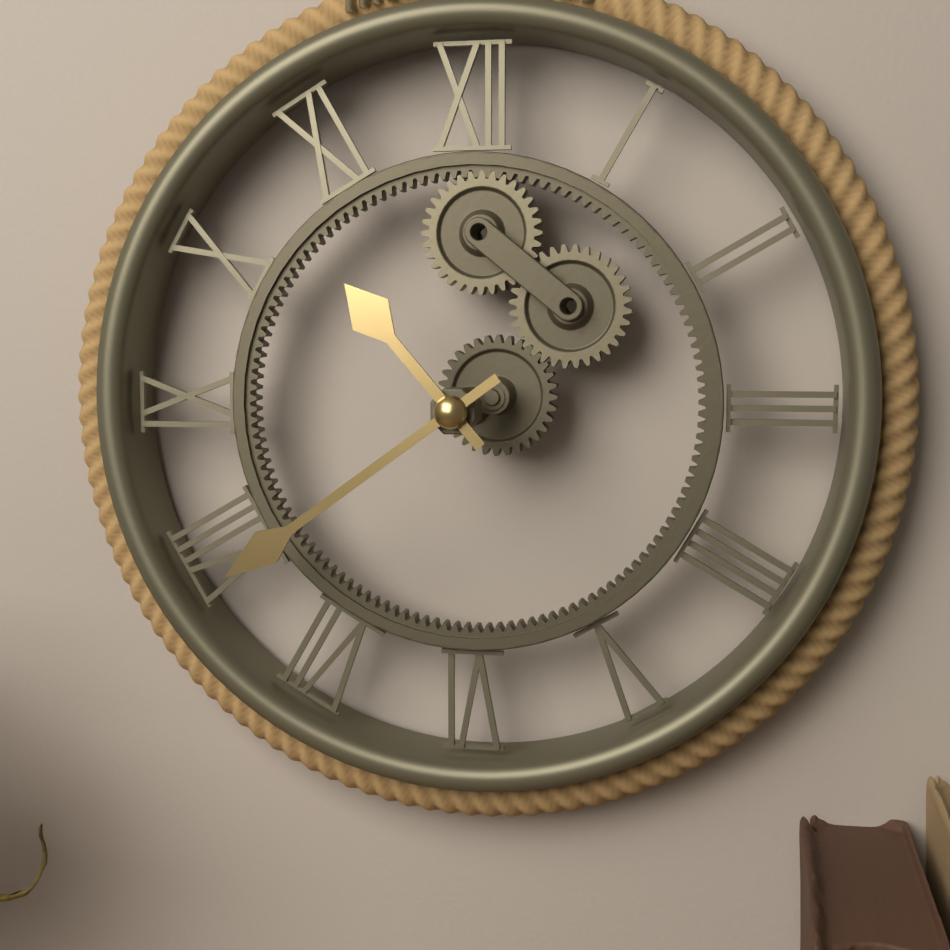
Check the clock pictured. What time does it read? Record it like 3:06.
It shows 10:39
